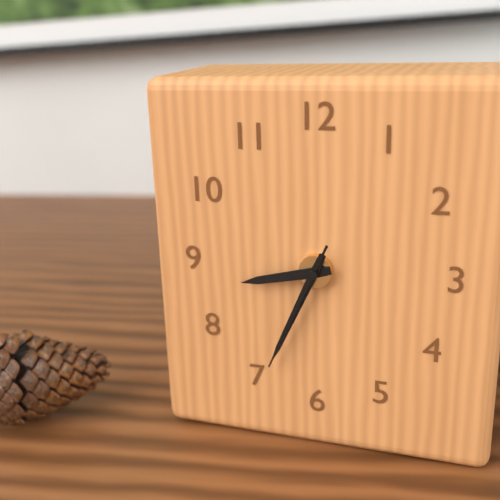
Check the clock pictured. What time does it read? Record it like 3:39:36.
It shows 8:34:34
